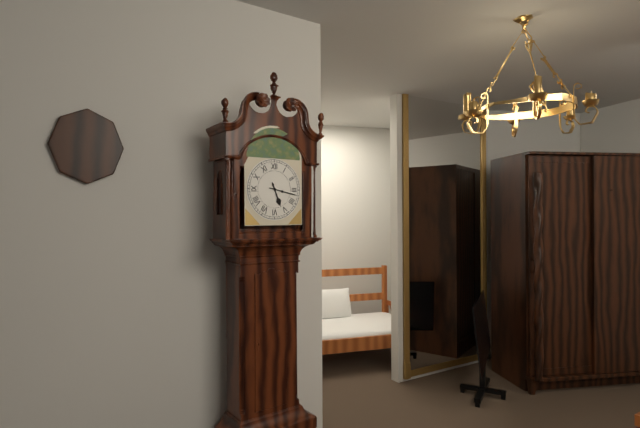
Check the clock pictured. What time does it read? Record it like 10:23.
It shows 5:17
